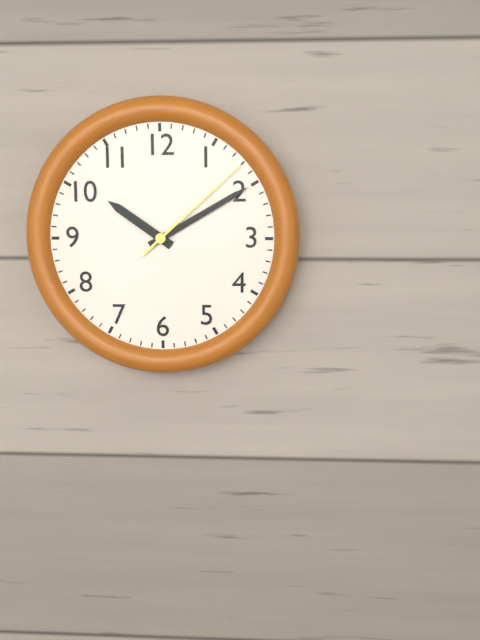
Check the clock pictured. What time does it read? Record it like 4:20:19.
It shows 10:10:08
